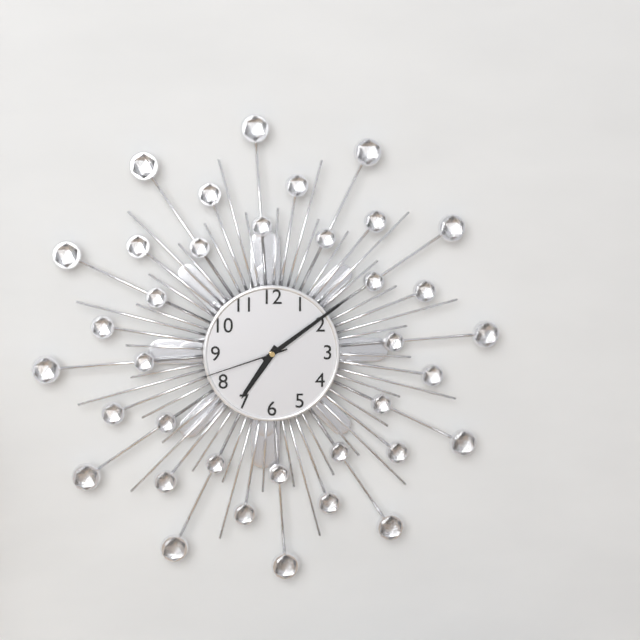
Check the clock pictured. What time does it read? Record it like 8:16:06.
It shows 7:09:42
